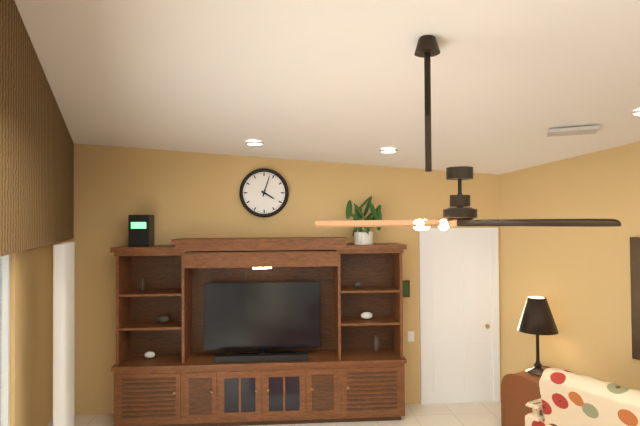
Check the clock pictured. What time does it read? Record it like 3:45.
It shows 4:03
